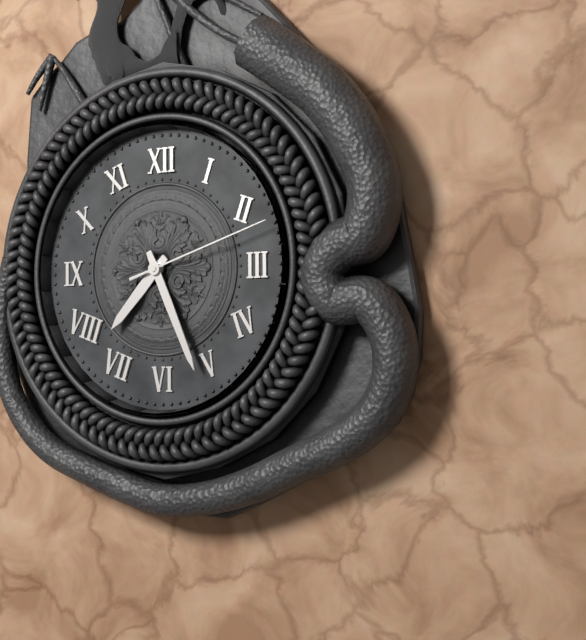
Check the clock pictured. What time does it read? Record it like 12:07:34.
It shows 7:26:12
